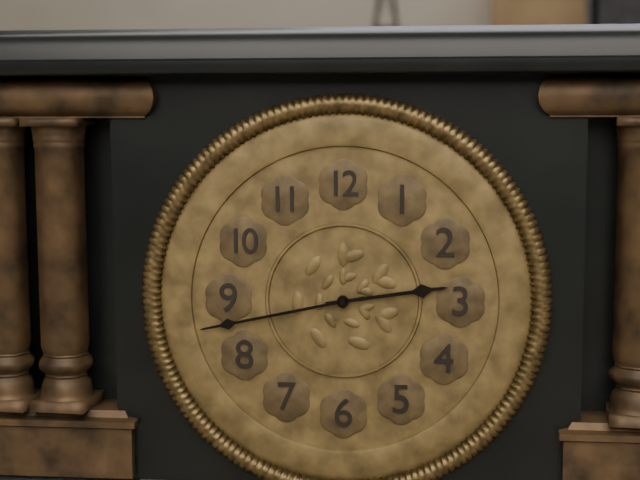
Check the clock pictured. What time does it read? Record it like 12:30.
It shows 2:43
